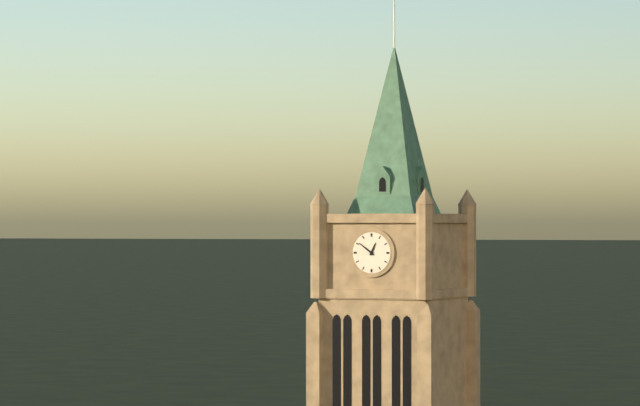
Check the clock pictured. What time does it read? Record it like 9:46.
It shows 12:51
